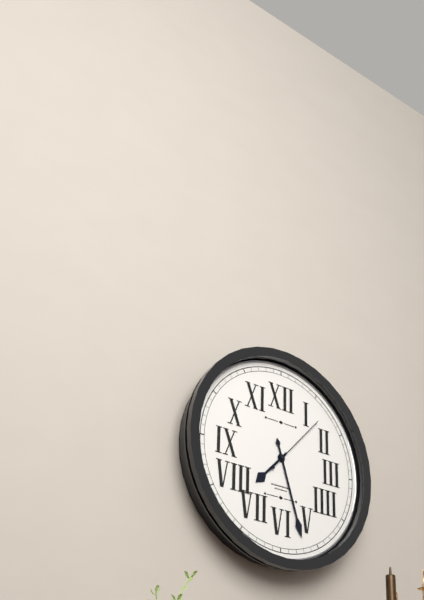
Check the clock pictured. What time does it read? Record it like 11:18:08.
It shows 7:27:07
